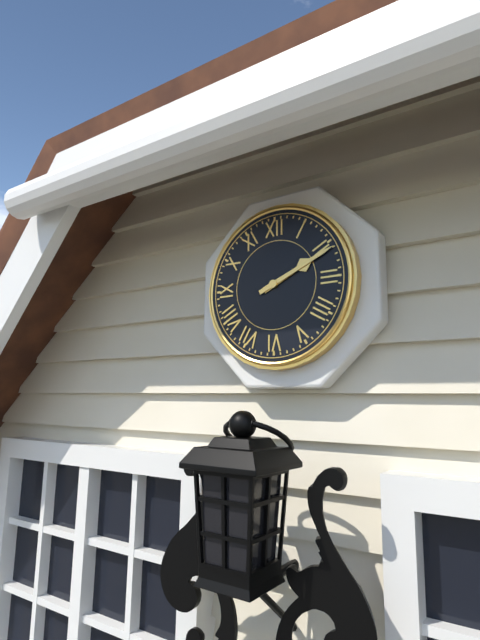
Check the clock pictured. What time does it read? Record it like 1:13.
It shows 2:11
